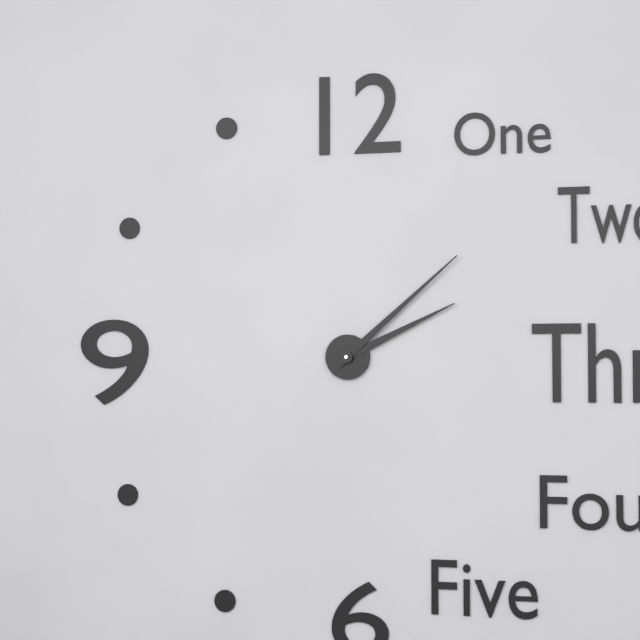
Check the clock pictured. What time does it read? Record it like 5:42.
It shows 2:08
